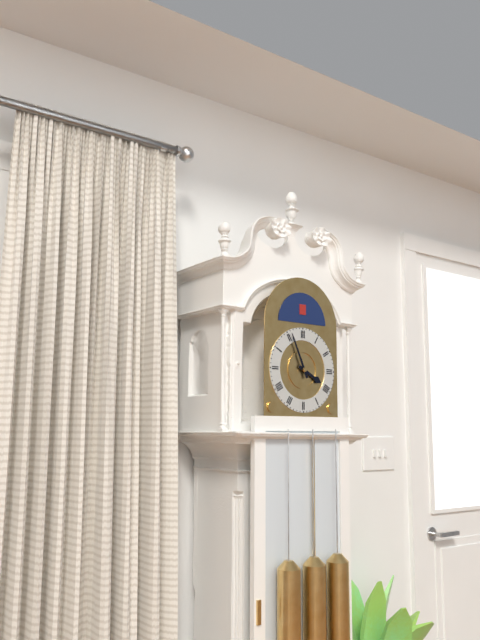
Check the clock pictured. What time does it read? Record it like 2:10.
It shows 3:56
